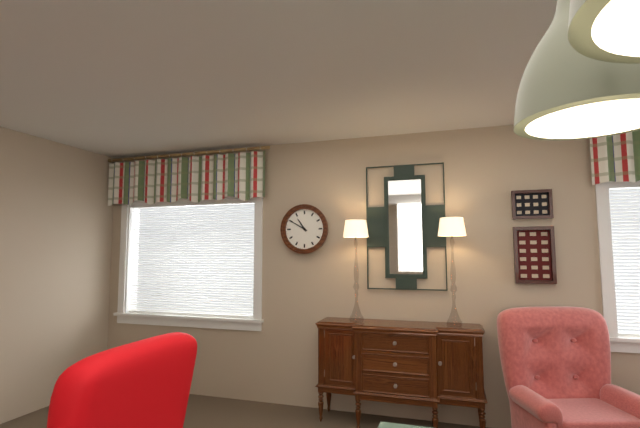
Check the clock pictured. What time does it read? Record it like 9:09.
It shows 10:50
